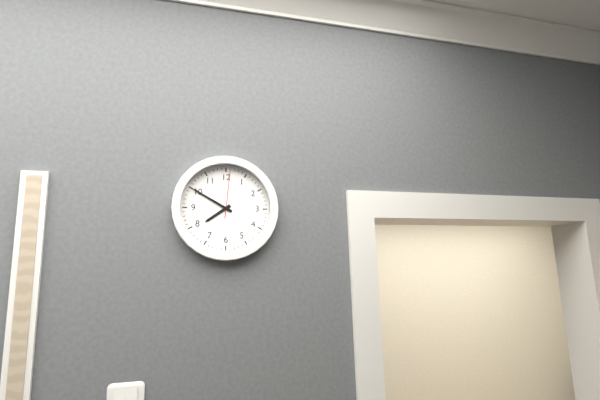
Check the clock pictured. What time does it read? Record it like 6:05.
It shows 7:50
